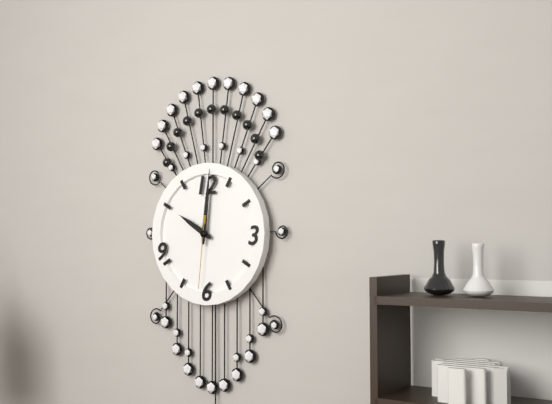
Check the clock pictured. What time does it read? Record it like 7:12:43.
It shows 10:01:31
